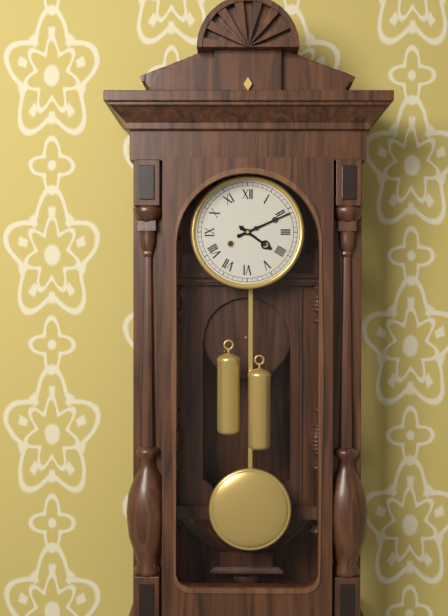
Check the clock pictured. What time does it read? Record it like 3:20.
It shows 4:11
